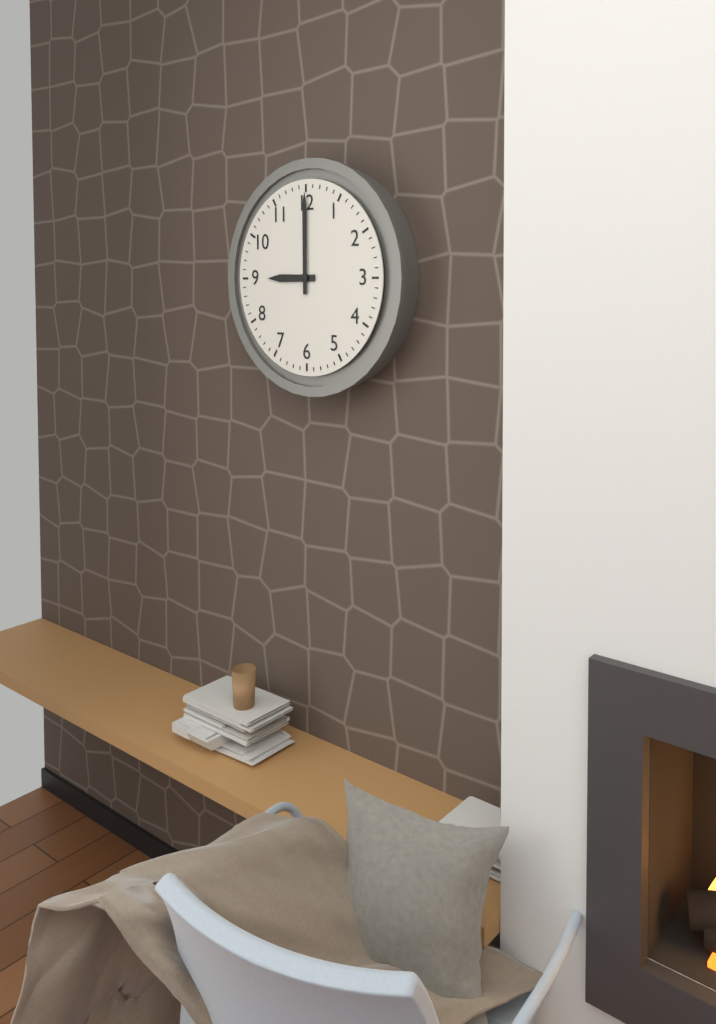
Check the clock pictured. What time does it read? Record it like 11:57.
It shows 9:00
